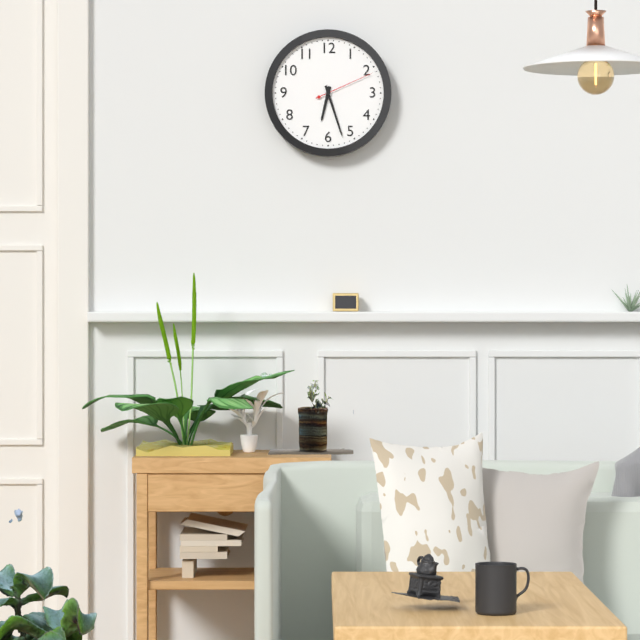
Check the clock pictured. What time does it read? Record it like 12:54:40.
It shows 6:27:11
